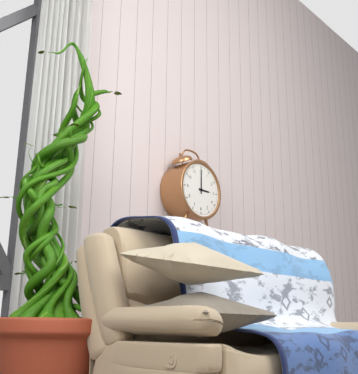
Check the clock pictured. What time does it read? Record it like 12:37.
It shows 3:00
